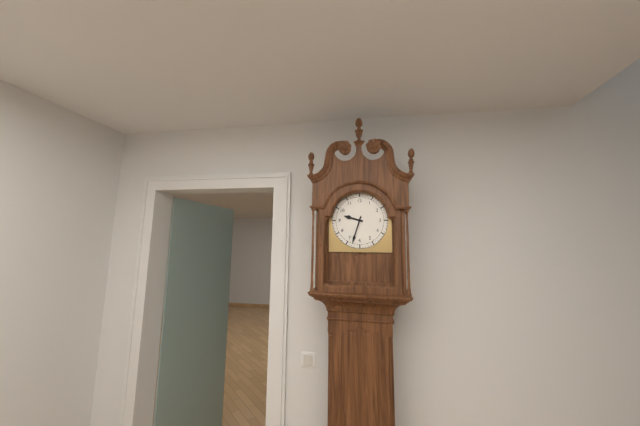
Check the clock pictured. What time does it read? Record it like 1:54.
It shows 9:33
